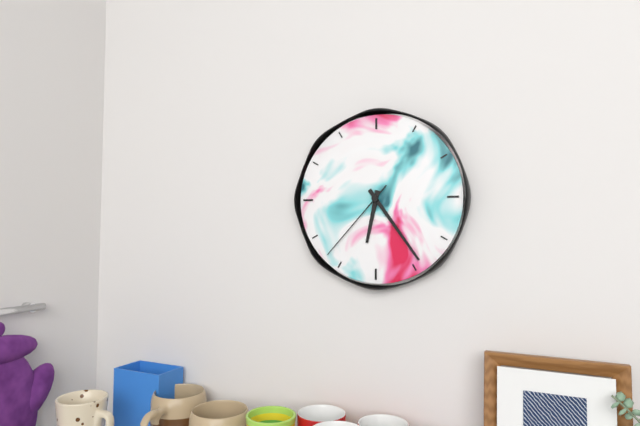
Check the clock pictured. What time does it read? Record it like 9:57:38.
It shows 6:24:37
